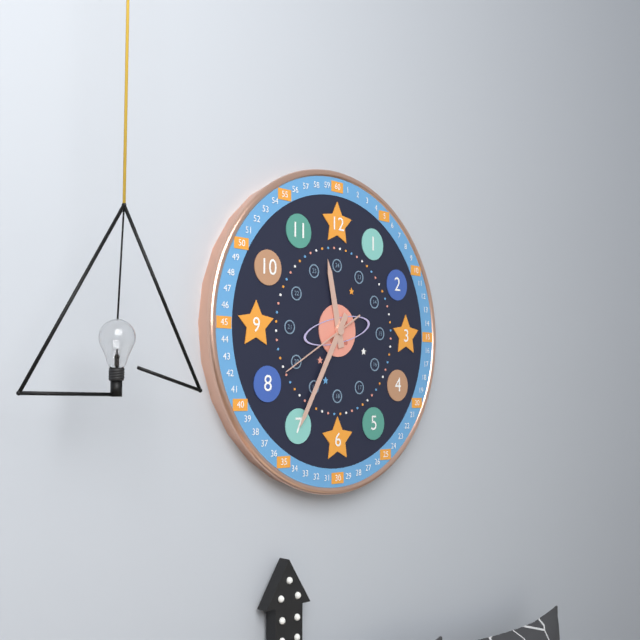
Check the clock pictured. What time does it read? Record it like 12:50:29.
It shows 11:35:40
